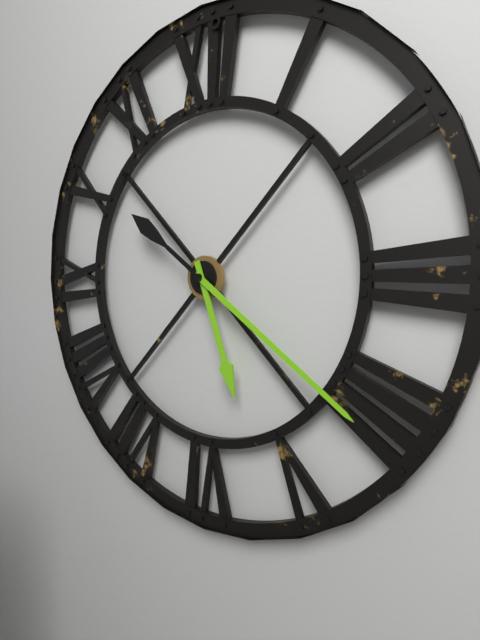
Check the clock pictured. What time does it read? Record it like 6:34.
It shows 5:21
